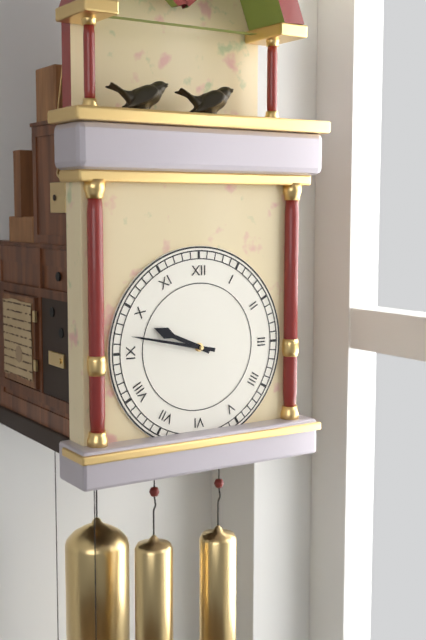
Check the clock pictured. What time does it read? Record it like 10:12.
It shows 9:47
